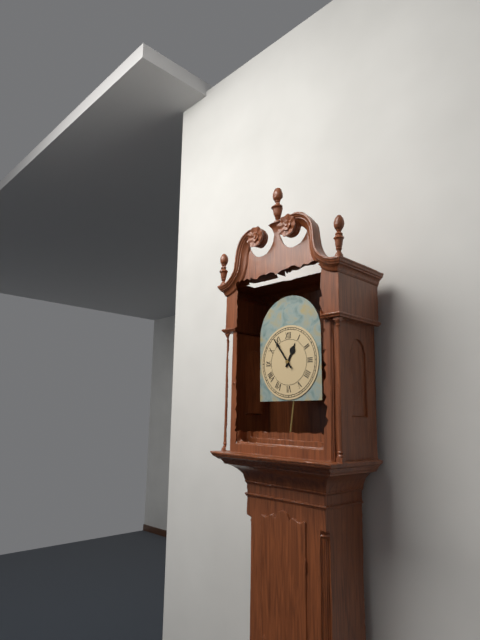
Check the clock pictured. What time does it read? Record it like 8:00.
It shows 12:54
